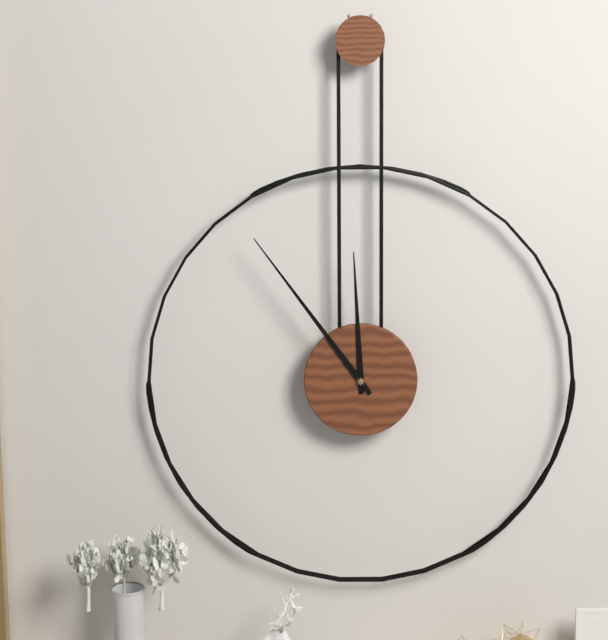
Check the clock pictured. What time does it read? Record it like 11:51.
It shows 11:54
